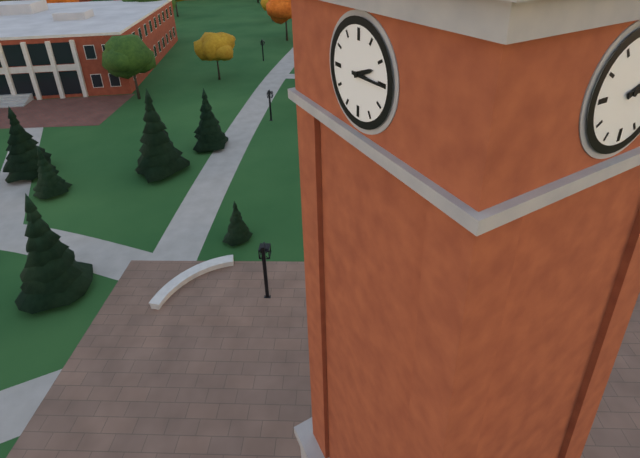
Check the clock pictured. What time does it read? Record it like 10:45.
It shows 2:15
